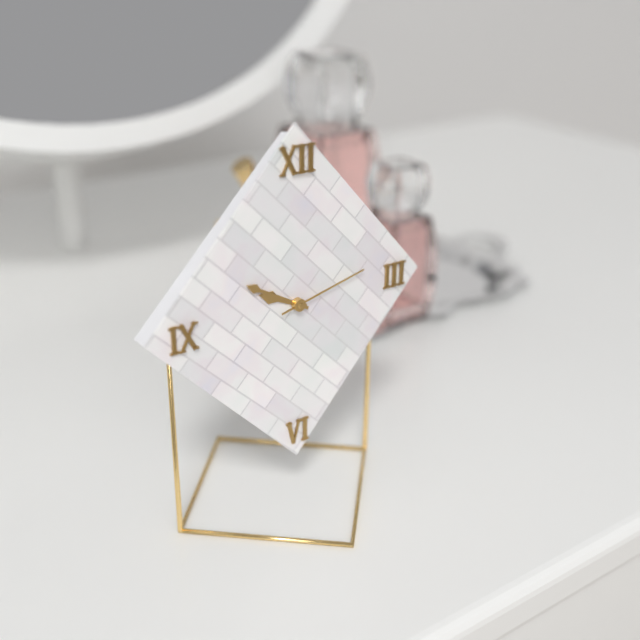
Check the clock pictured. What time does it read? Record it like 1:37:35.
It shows 9:50:13
